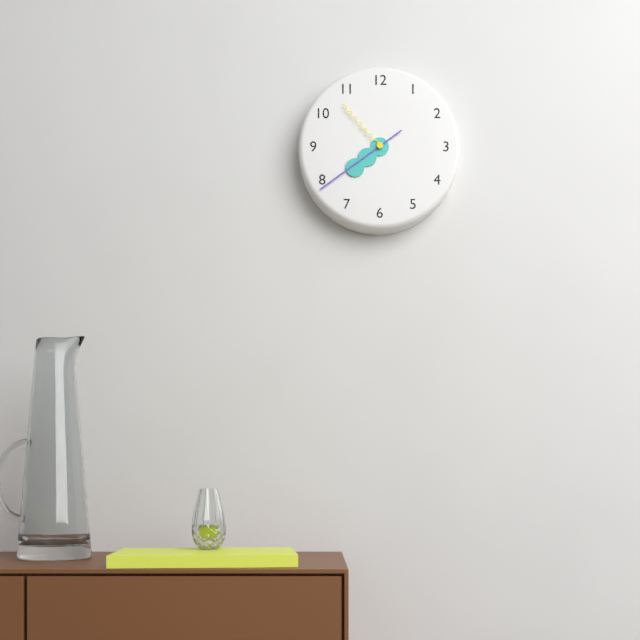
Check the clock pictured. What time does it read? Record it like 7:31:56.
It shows 7:39:53
